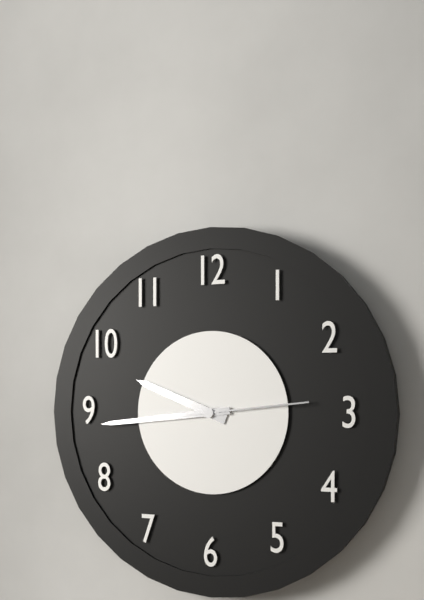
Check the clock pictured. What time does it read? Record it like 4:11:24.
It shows 9:44:14
